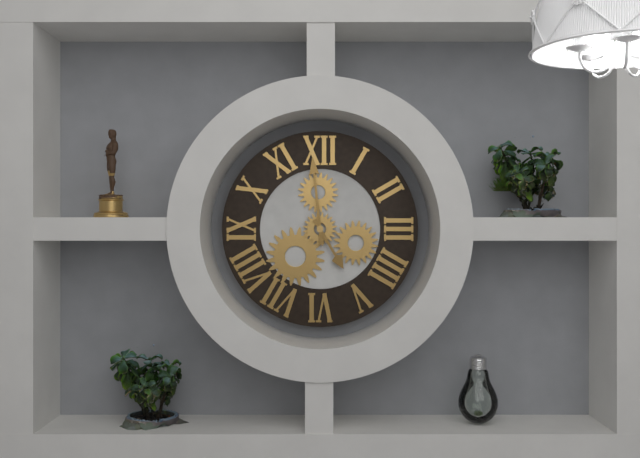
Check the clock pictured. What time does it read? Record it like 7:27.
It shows 4:59
